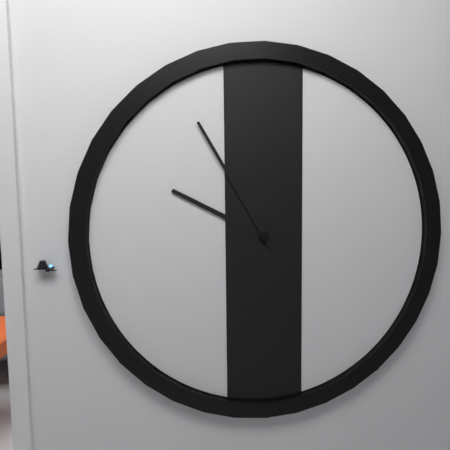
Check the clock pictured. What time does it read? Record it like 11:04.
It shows 9:55
